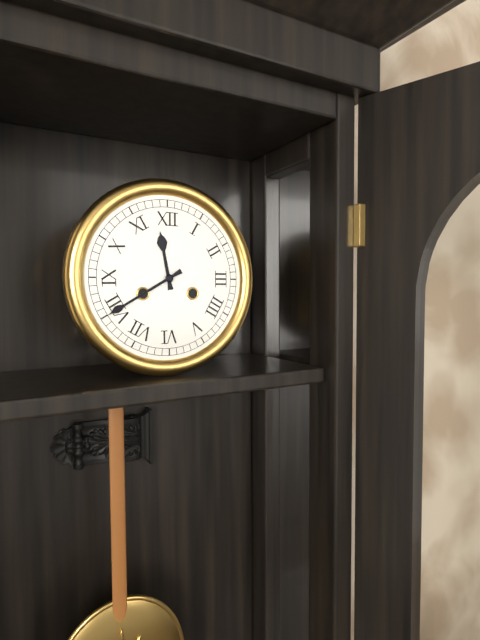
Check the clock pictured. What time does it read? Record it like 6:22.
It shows 11:40
